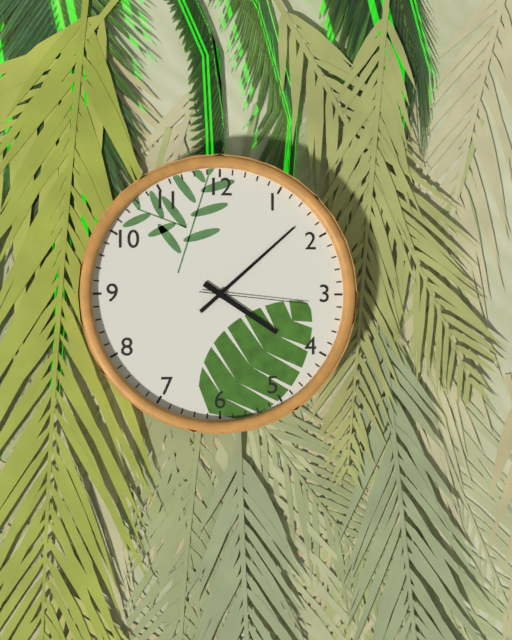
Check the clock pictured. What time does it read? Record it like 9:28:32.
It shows 4:08:16
